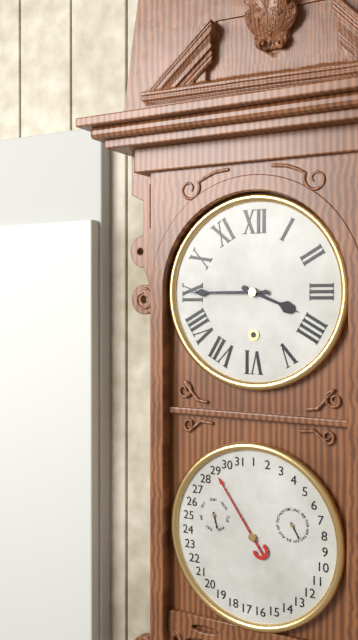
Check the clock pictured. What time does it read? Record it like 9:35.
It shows 3:45
